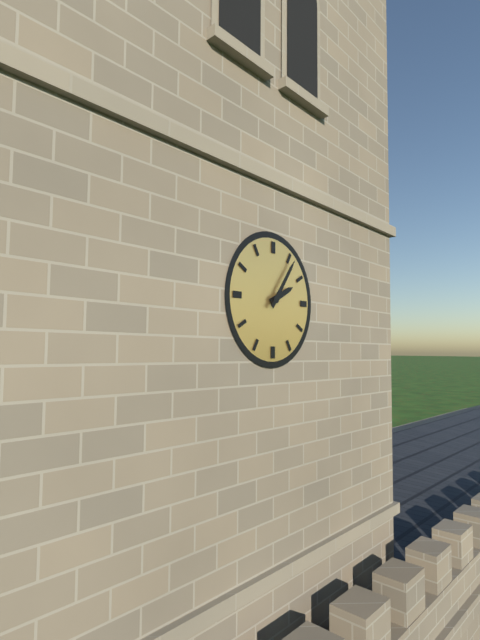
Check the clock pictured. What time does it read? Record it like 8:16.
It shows 2:06
